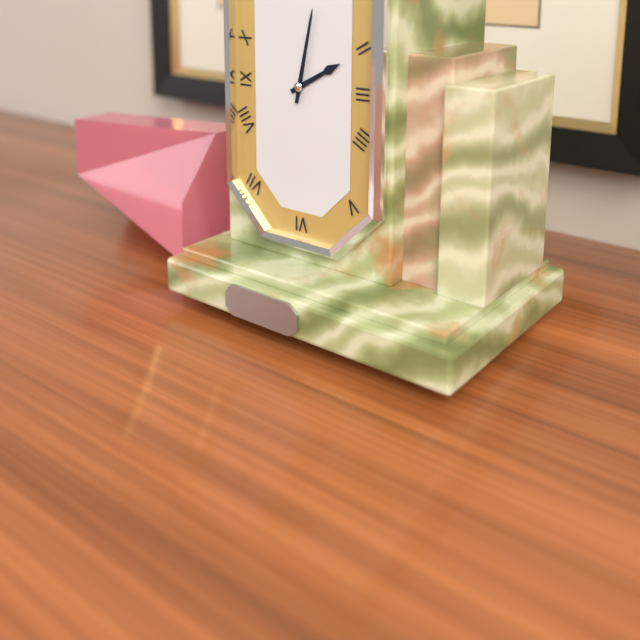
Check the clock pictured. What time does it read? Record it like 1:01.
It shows 2:02
